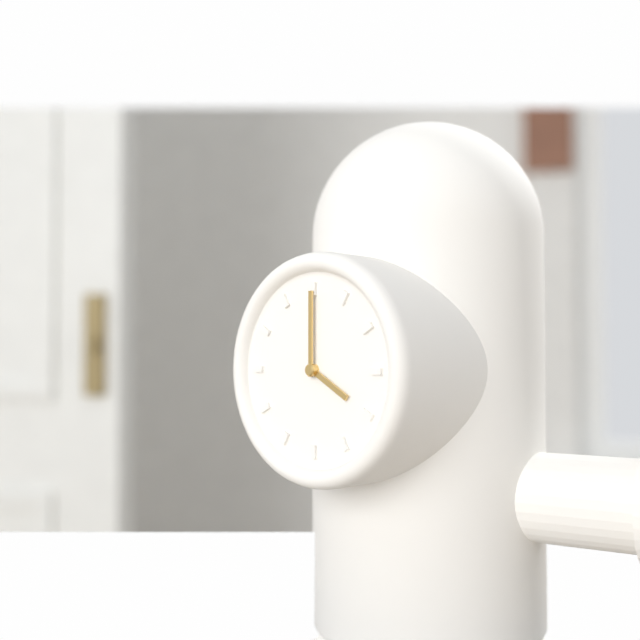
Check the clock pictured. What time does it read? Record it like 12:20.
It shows 4:00
